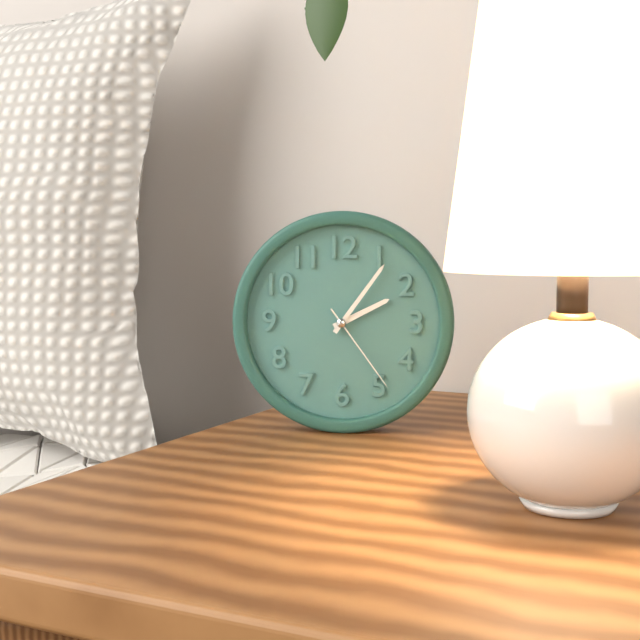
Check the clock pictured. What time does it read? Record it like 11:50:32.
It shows 2:06:24
